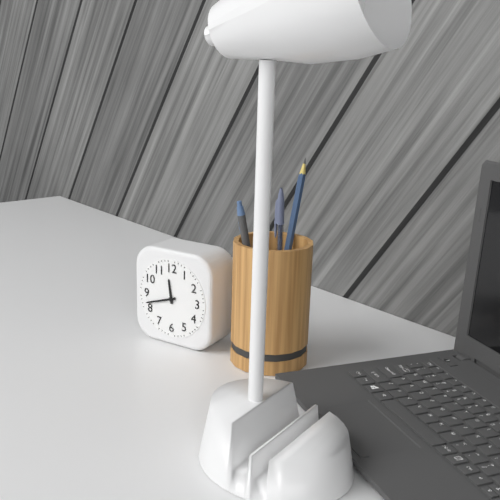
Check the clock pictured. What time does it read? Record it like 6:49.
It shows 11:42
